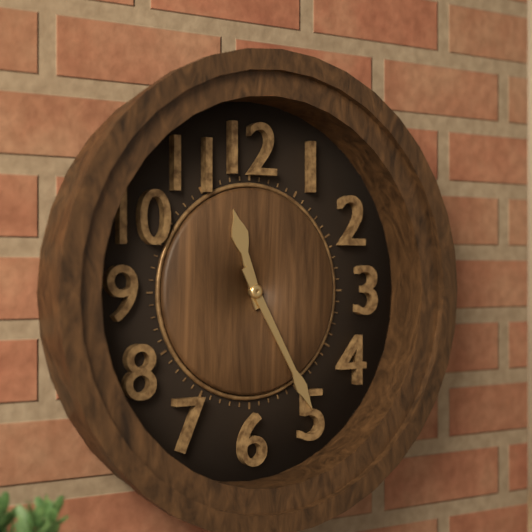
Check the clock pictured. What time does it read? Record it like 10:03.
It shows 11:25
